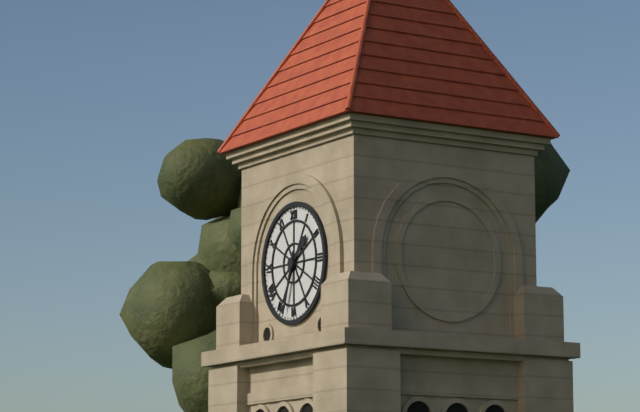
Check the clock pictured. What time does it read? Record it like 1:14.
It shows 1:33
